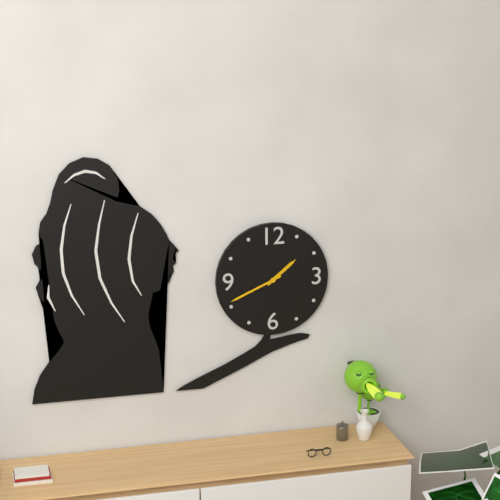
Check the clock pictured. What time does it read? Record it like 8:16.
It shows 1:41
